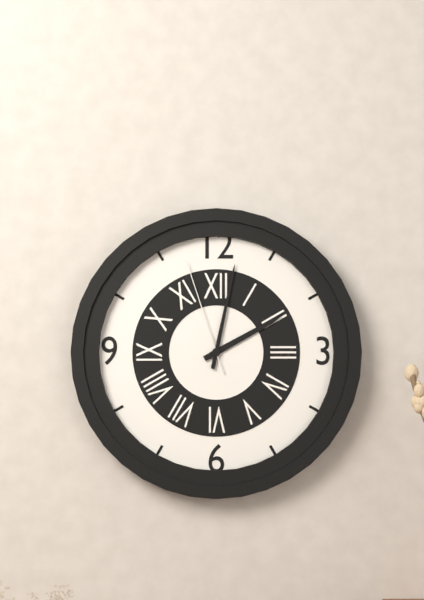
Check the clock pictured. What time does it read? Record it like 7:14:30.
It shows 2:02:57
